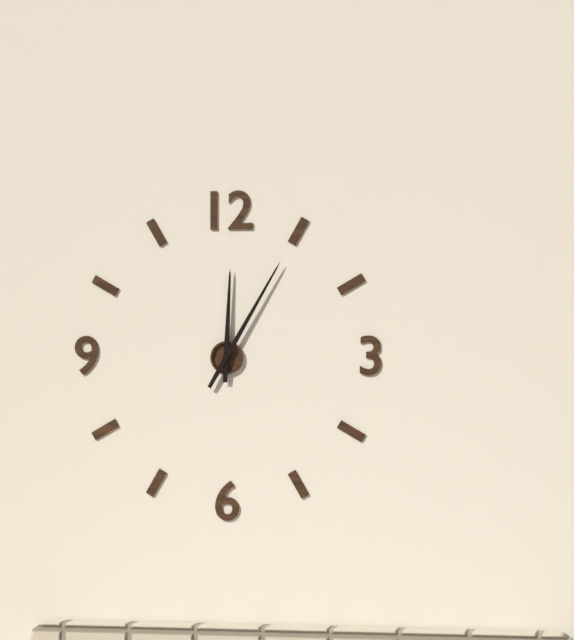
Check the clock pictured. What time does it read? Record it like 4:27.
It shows 12:05
